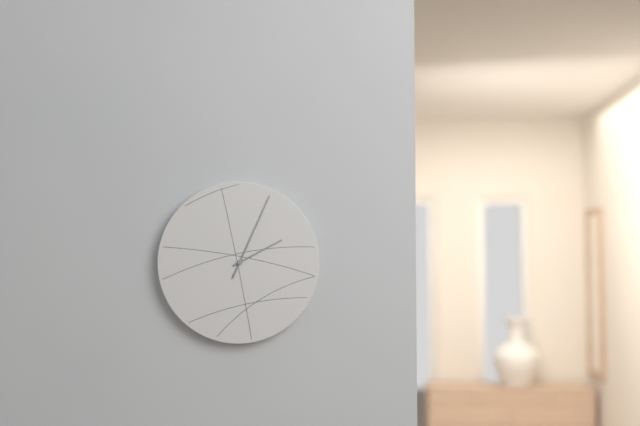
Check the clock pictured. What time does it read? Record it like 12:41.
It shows 2:04
